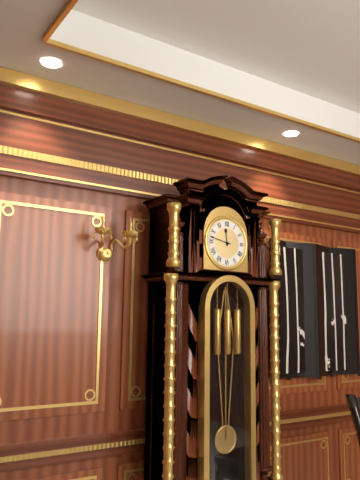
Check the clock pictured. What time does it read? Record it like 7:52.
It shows 11:47
